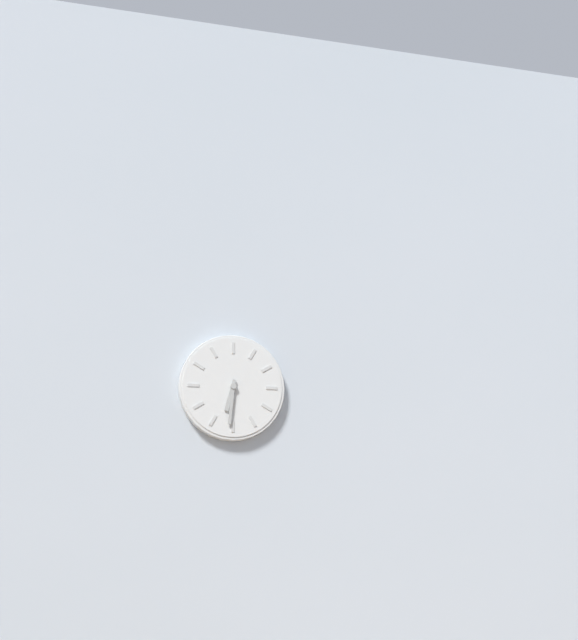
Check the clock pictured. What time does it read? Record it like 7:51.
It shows 6:31
